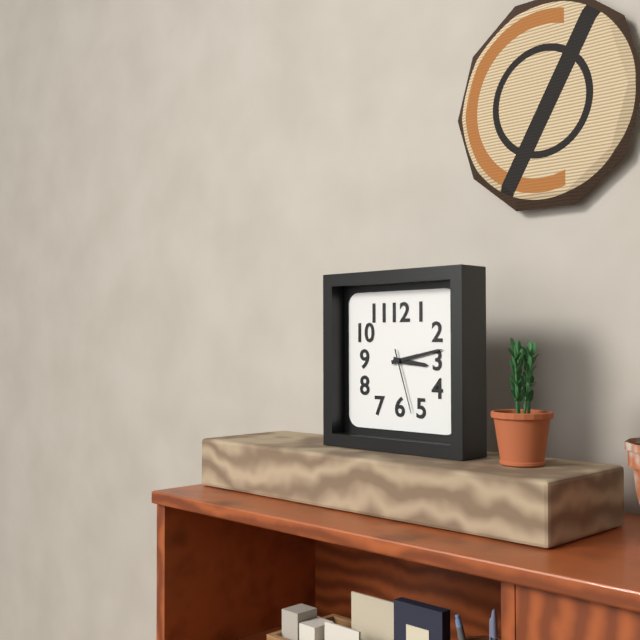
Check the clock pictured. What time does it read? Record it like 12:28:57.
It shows 3:13:27
